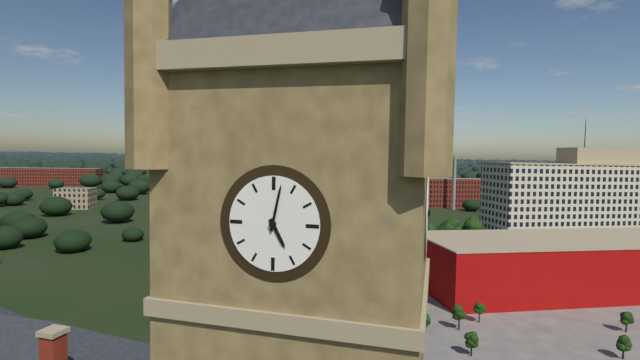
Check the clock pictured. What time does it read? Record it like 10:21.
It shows 5:02
